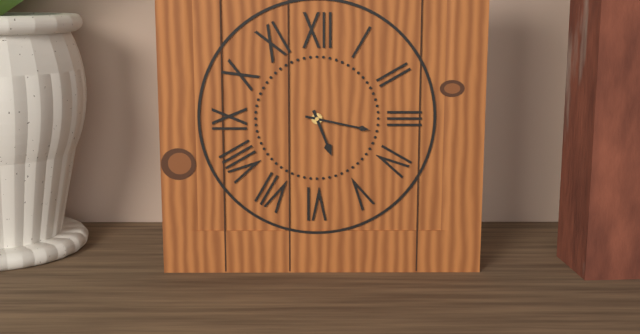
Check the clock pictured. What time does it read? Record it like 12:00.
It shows 5:17
